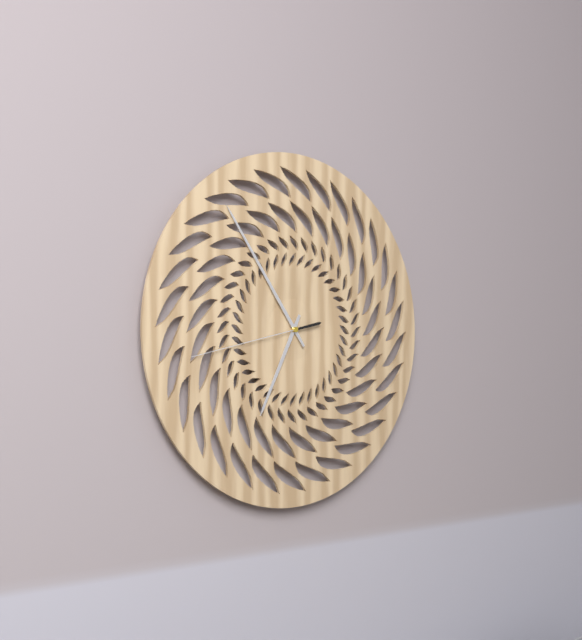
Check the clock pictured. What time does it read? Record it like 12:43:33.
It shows 6:54:43
